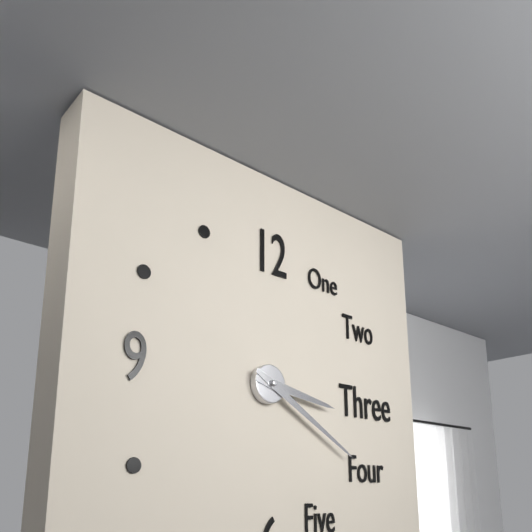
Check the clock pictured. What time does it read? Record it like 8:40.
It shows 3:20
